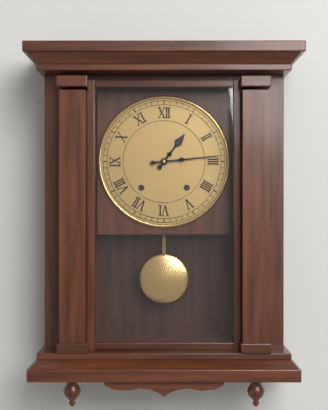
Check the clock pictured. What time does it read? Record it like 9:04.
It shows 1:14
